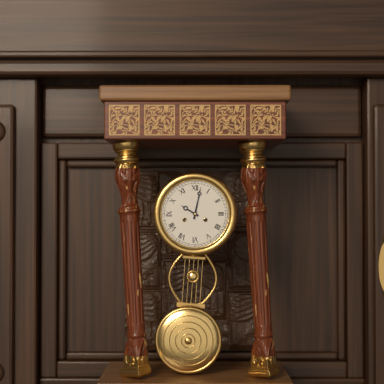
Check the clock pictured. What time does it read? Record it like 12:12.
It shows 10:02
